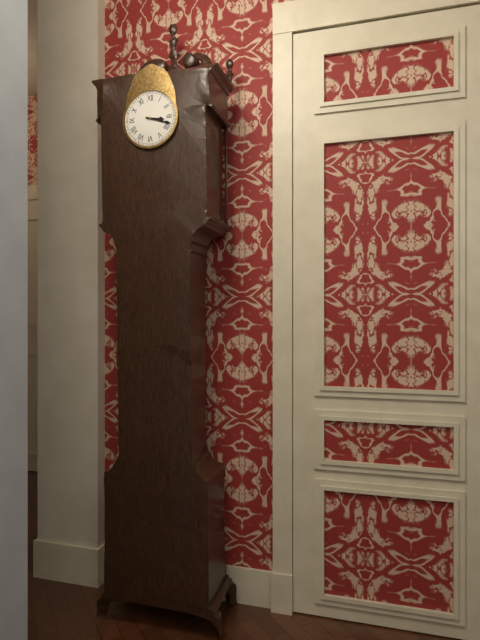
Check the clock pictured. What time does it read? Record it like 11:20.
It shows 3:18
